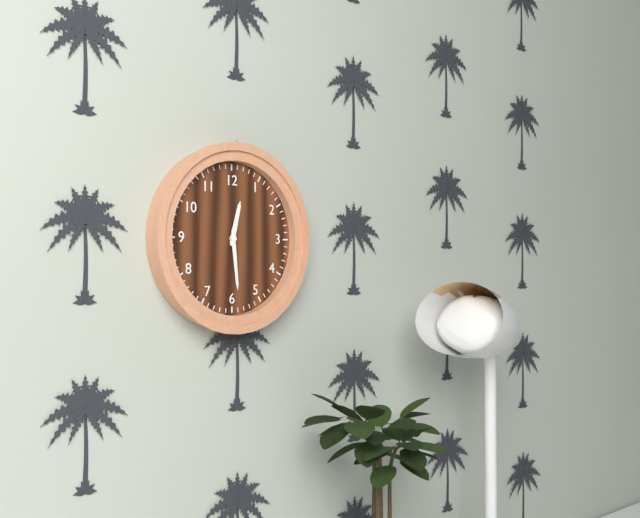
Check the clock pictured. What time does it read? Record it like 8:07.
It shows 12:29
